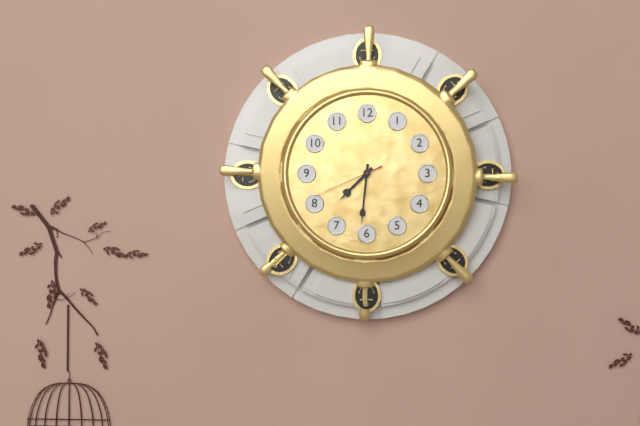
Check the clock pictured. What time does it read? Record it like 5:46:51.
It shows 7:31:41
